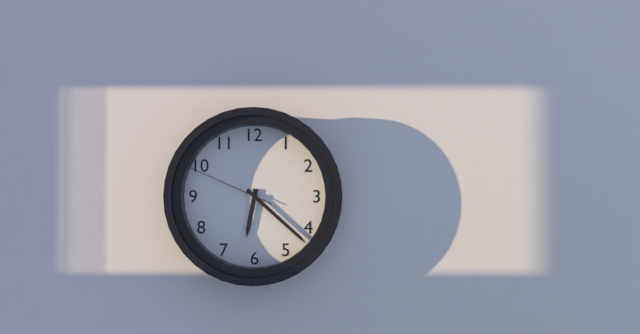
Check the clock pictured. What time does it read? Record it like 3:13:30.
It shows 6:22:49
